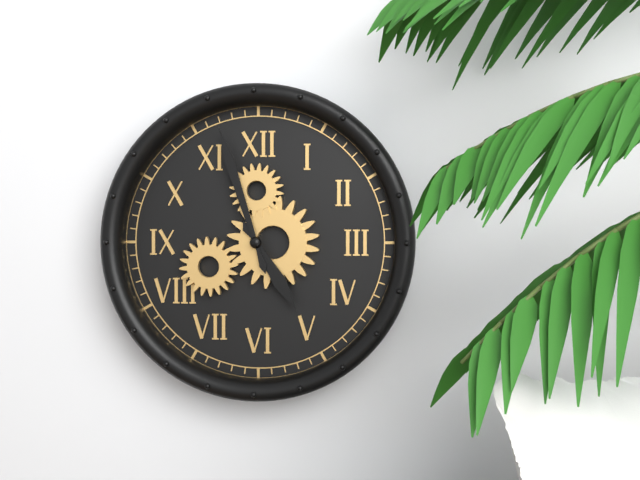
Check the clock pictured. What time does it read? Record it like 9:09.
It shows 4:57
